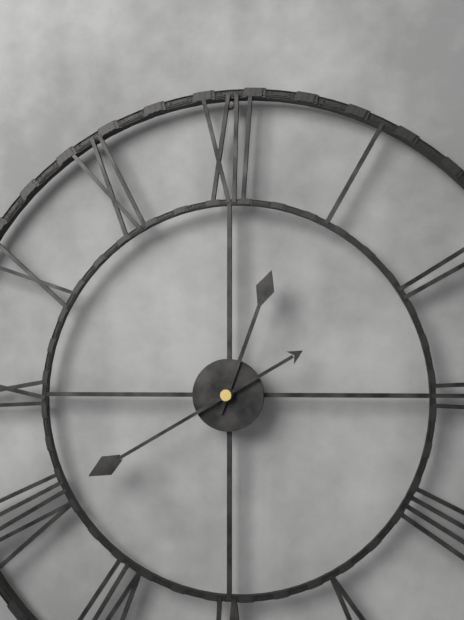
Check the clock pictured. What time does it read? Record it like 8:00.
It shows 12:40
